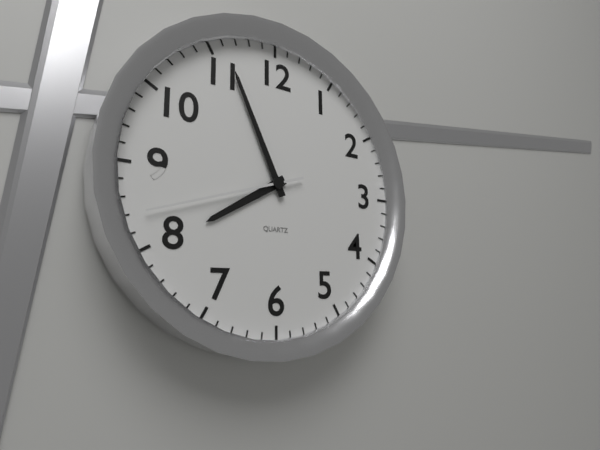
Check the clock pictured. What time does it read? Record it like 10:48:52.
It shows 7:56:42
